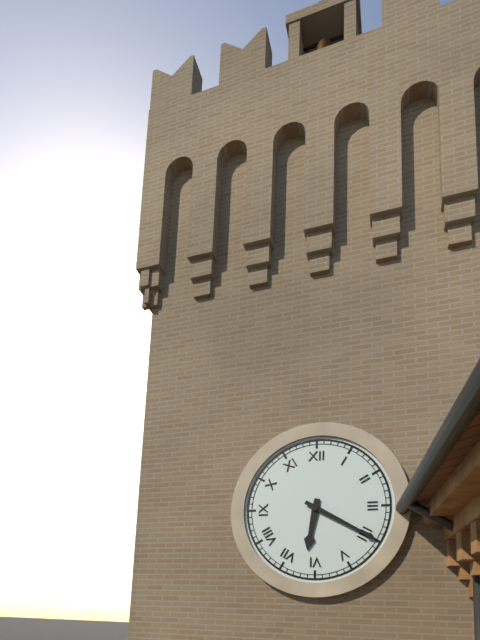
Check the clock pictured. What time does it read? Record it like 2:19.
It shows 6:20
